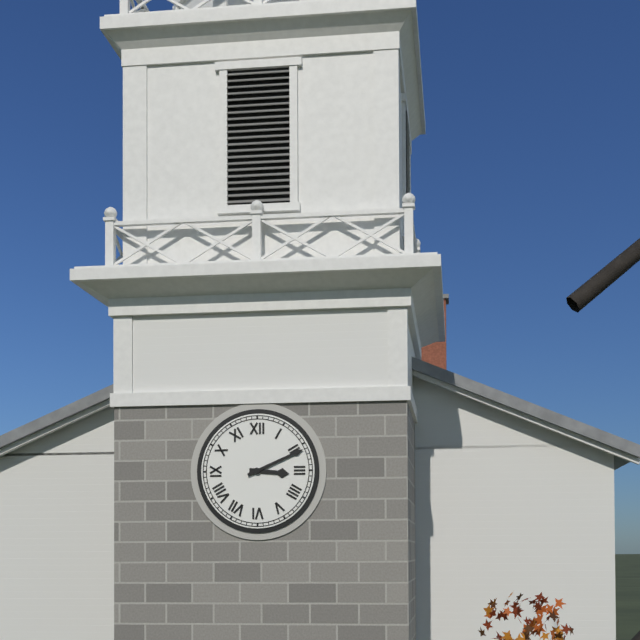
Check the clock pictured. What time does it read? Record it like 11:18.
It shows 3:11
